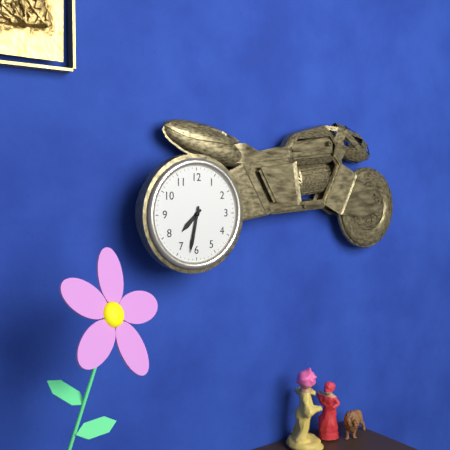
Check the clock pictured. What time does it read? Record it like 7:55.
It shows 7:32
